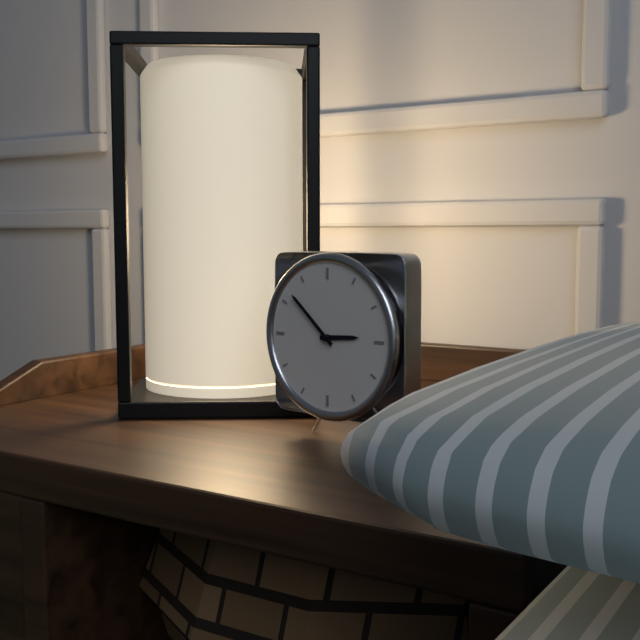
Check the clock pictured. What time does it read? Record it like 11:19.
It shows 2:52
